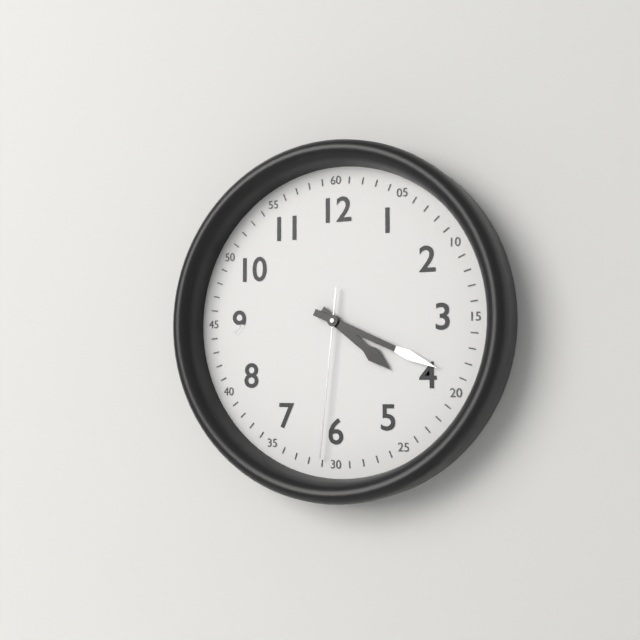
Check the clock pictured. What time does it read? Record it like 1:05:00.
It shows 4:19:31
